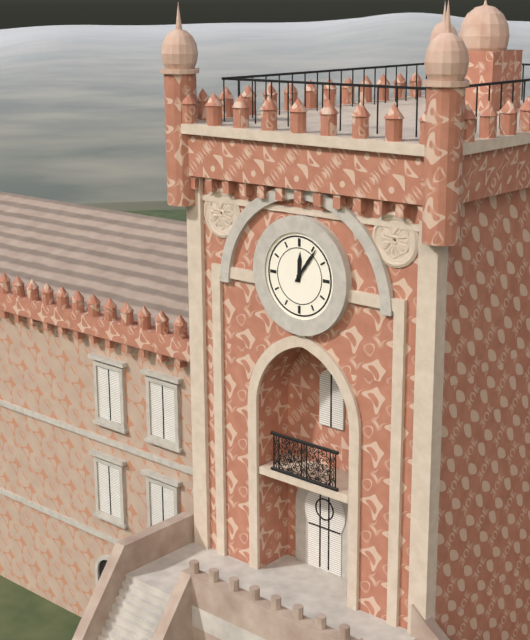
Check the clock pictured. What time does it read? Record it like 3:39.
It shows 12:06
